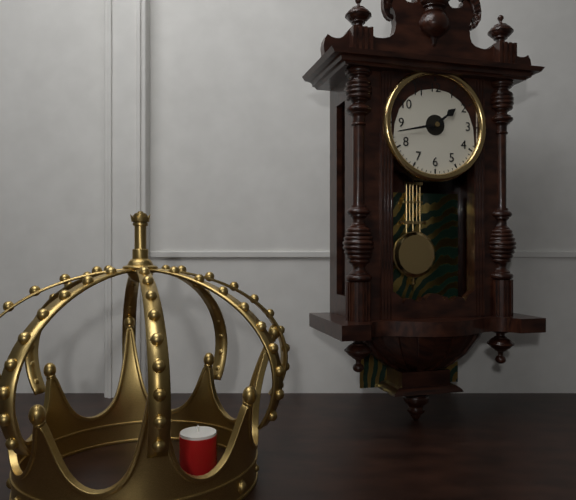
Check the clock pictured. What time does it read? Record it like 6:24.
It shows 1:43
